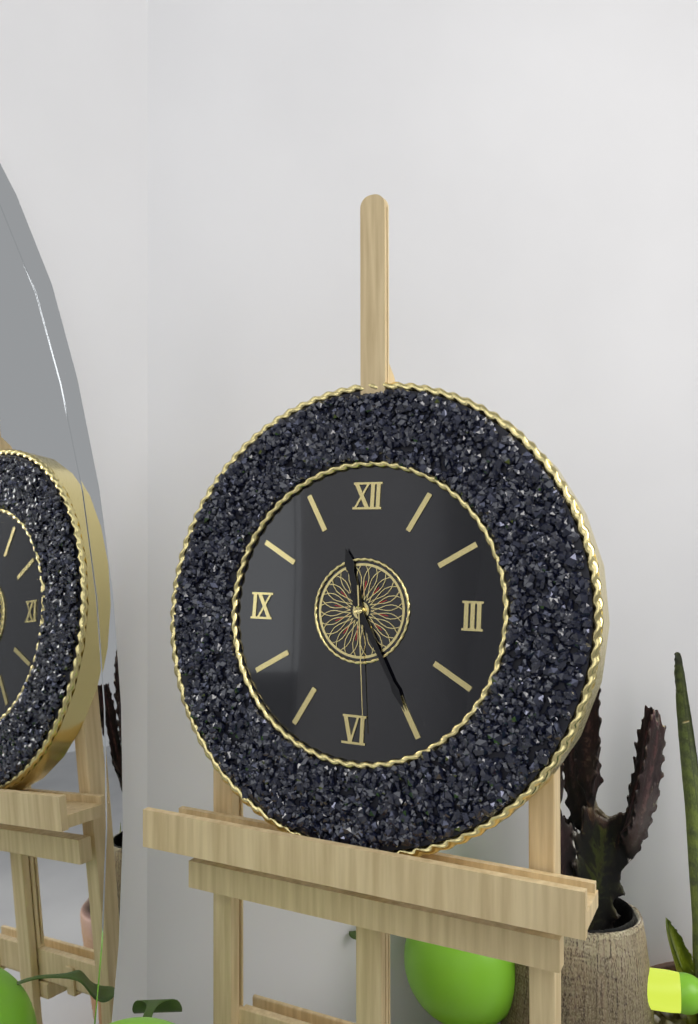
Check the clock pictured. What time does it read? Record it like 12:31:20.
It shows 11:25:29
